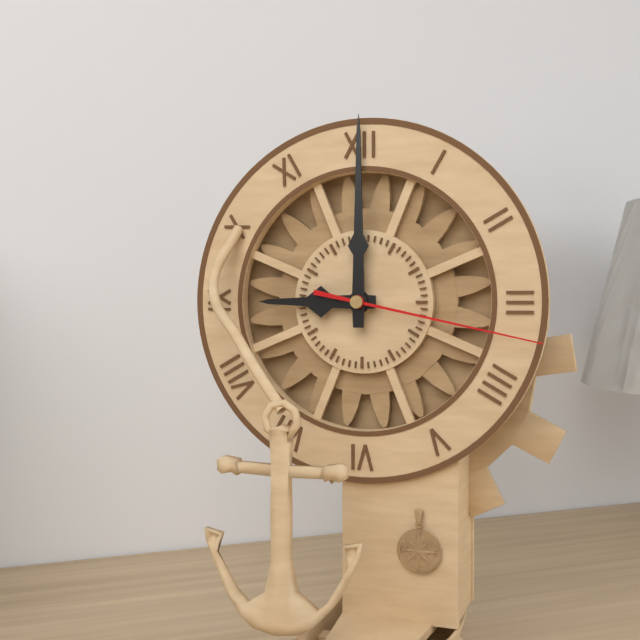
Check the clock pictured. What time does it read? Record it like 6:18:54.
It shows 9:00:17
